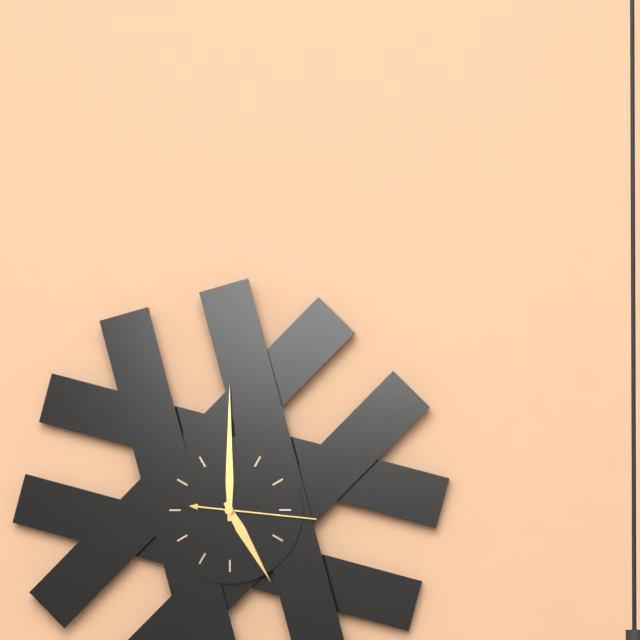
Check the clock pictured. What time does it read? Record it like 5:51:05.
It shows 5:00:16
